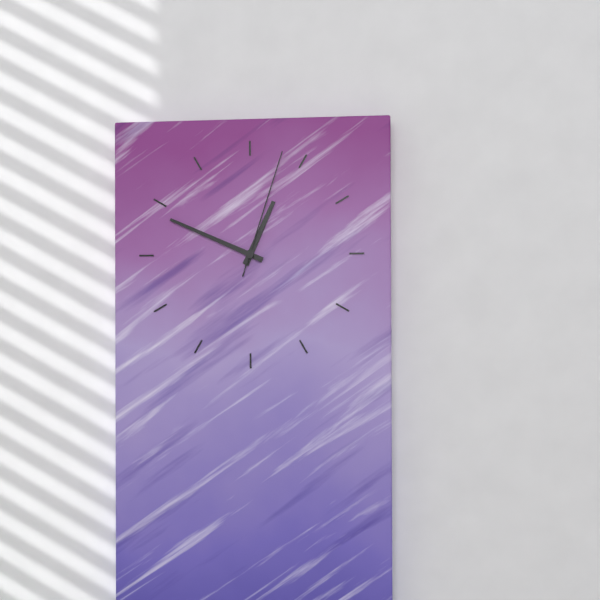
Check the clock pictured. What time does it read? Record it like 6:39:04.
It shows 12:49:03
